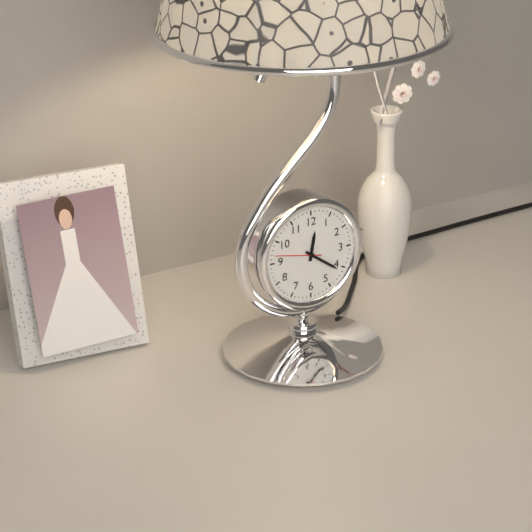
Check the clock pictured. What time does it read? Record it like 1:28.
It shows 12:21
